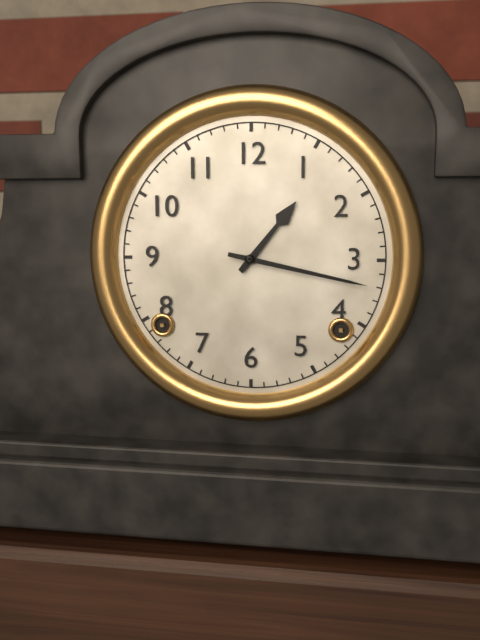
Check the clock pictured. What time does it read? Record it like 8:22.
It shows 1:17
